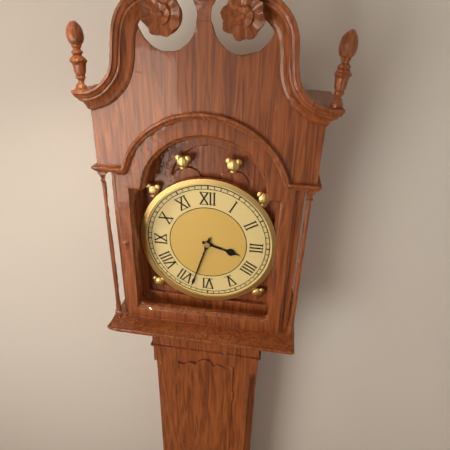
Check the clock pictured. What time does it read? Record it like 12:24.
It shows 3:33
